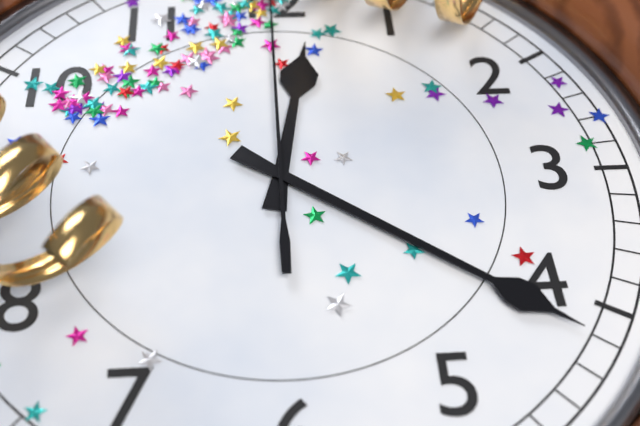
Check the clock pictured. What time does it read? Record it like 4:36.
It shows 12:21
